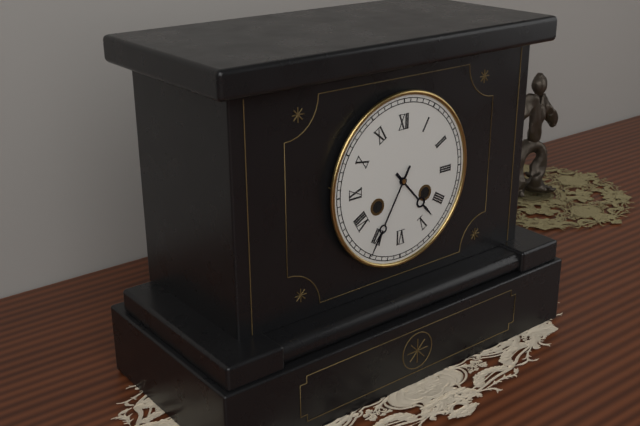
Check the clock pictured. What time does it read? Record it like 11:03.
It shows 4:35
